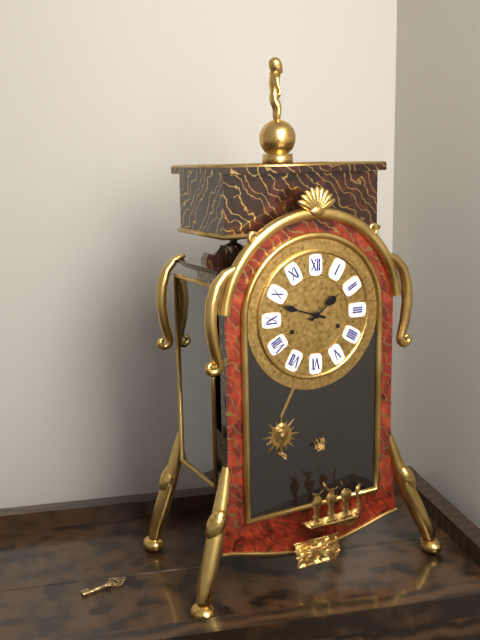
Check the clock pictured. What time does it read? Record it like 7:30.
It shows 1:48
